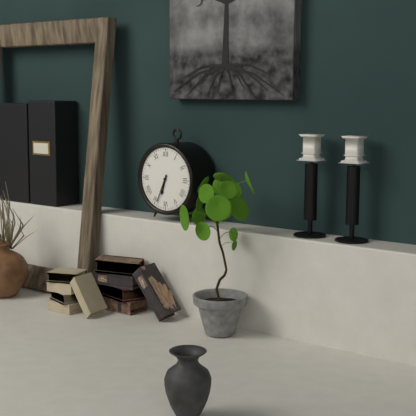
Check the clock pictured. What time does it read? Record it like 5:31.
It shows 6:34
